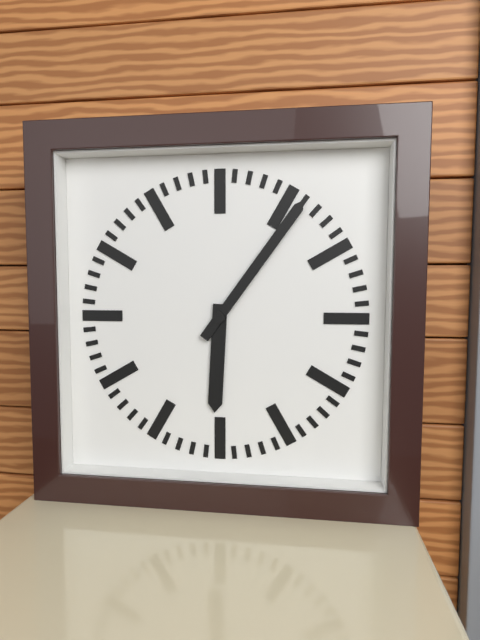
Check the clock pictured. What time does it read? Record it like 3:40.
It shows 6:06
